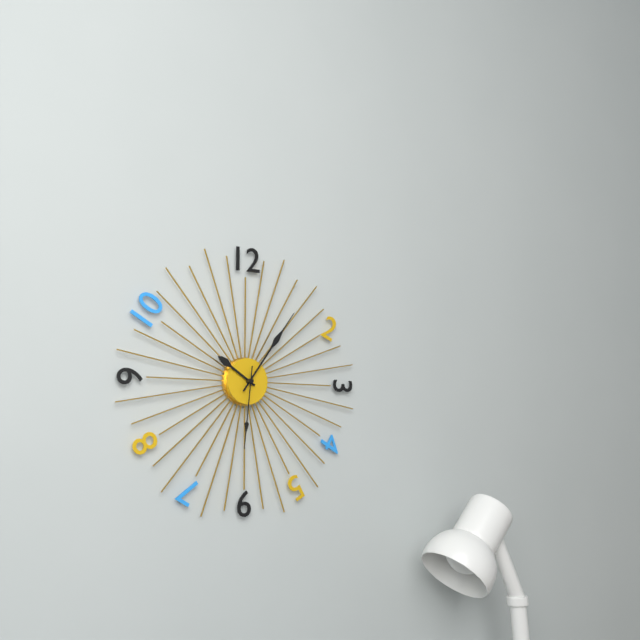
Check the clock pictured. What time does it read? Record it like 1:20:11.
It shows 10:06:31
